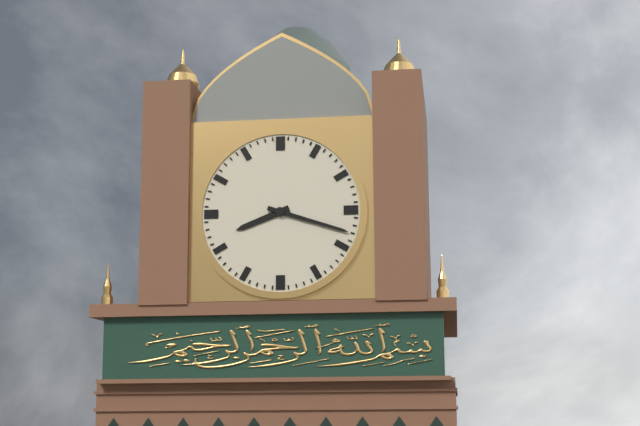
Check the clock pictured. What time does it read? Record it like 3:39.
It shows 8:18
